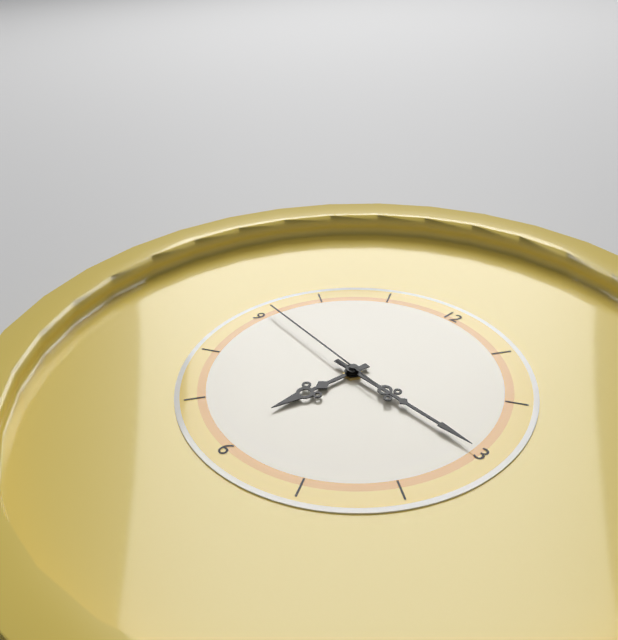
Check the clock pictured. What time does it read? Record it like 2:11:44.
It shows 6:15:46
